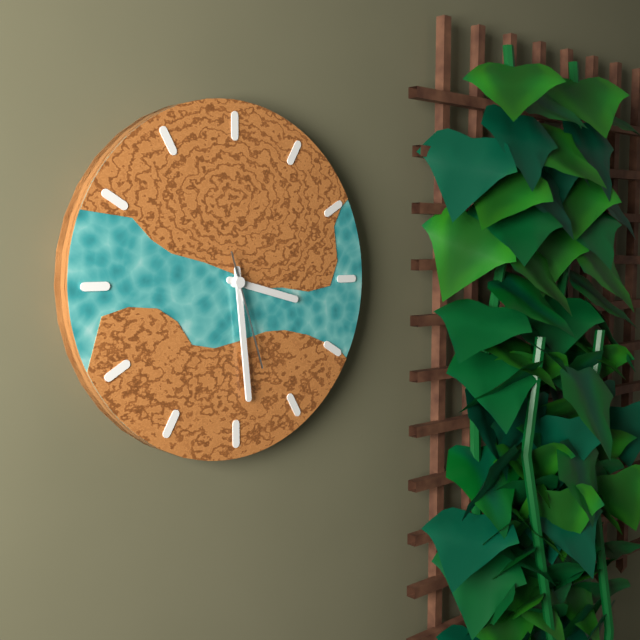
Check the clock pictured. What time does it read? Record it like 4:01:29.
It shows 3:29:27
